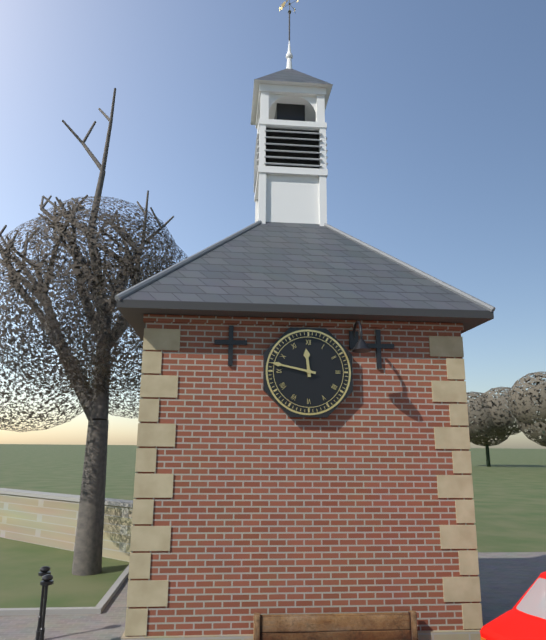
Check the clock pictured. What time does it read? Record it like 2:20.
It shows 11:47
